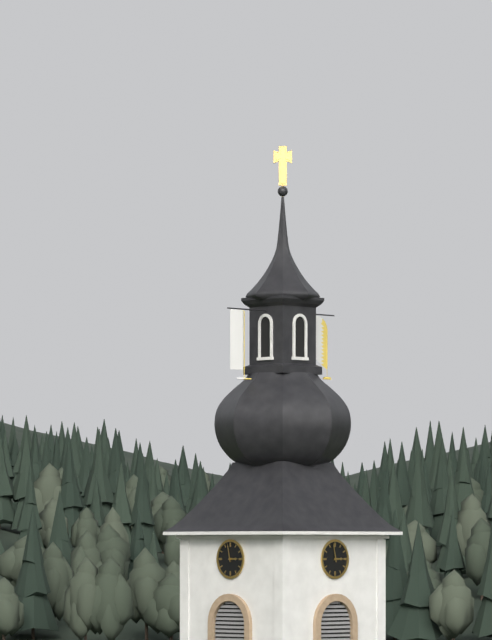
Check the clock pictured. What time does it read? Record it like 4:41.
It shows 2:58
